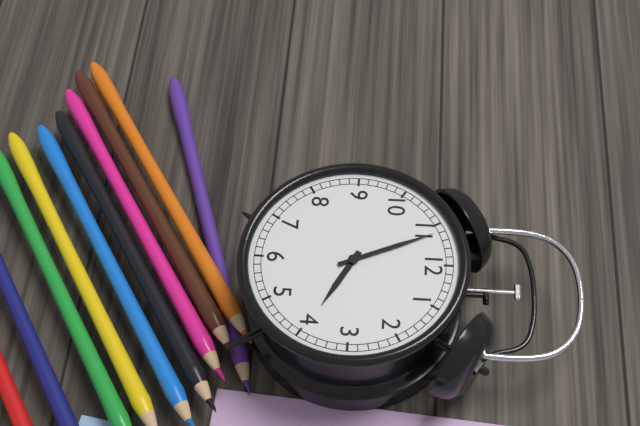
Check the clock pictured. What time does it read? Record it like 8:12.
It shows 3:56
